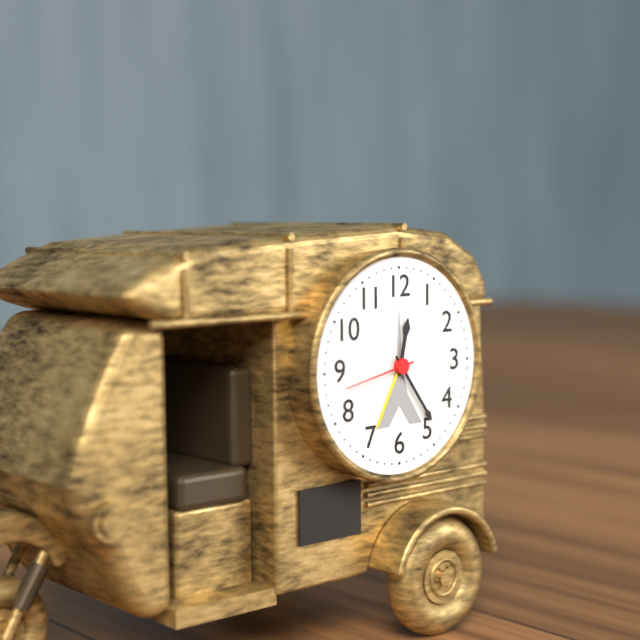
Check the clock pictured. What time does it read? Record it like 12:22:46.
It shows 12:24:43
